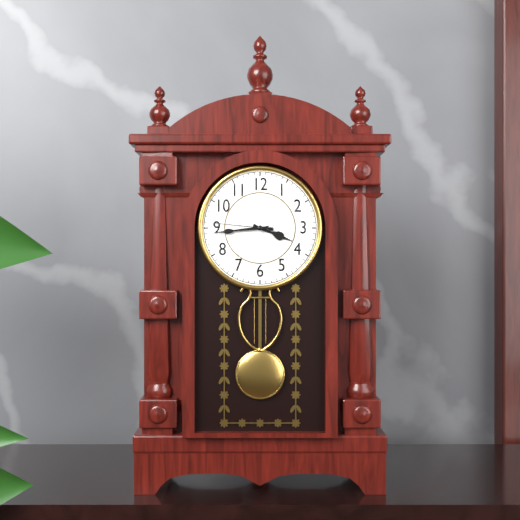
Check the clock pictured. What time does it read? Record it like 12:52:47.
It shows 3:44:46
